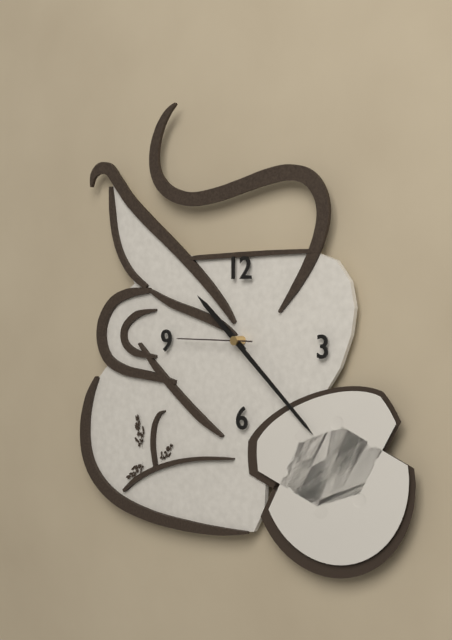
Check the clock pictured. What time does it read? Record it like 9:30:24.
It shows 10:22:45
